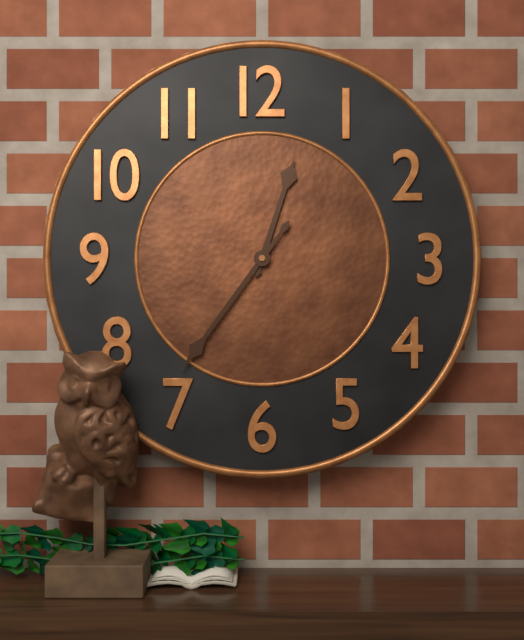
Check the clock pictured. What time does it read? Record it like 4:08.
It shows 12:36
